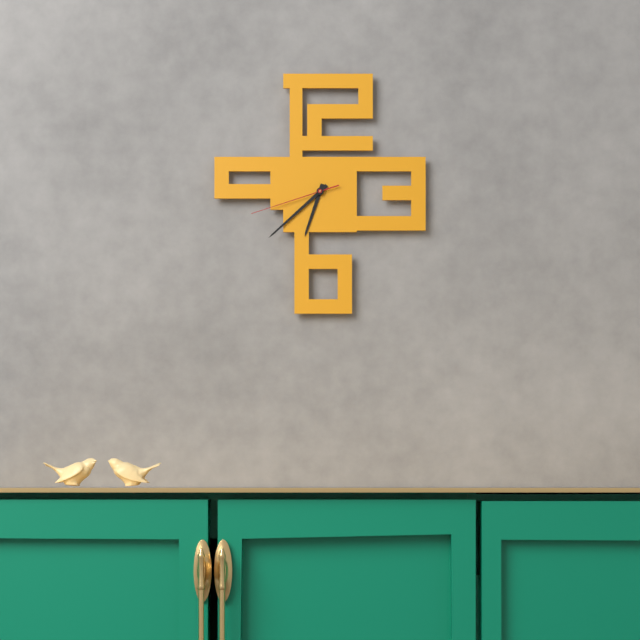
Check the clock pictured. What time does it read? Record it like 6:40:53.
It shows 6:38:42
